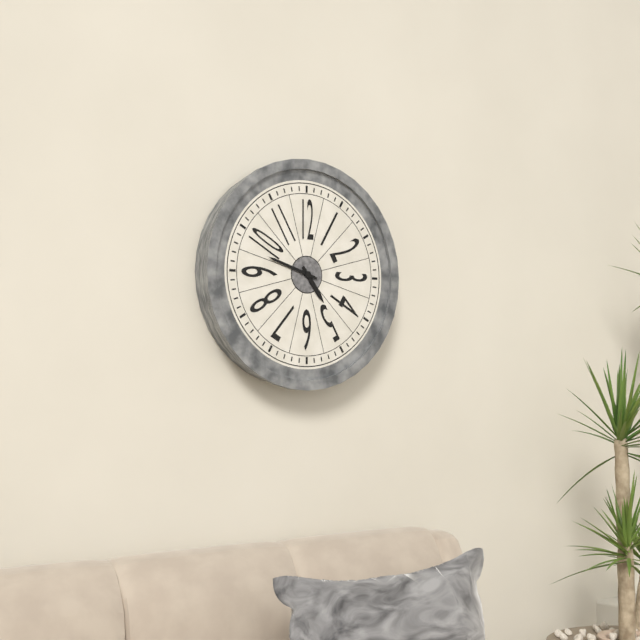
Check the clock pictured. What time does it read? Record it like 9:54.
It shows 4:48
